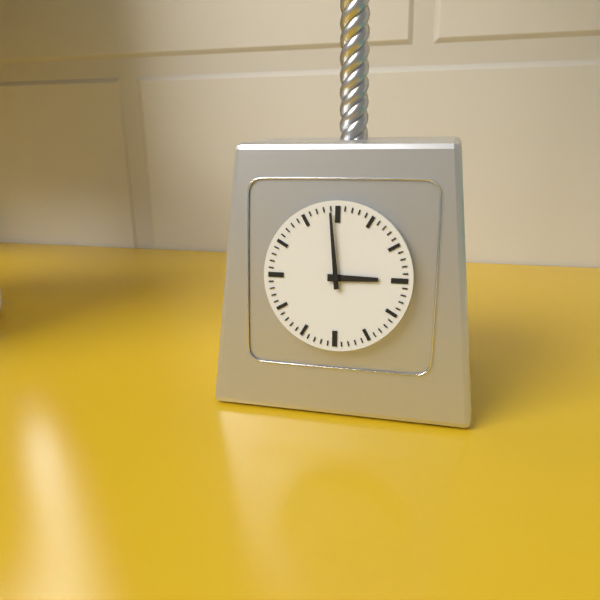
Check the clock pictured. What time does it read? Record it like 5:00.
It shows 2:59
